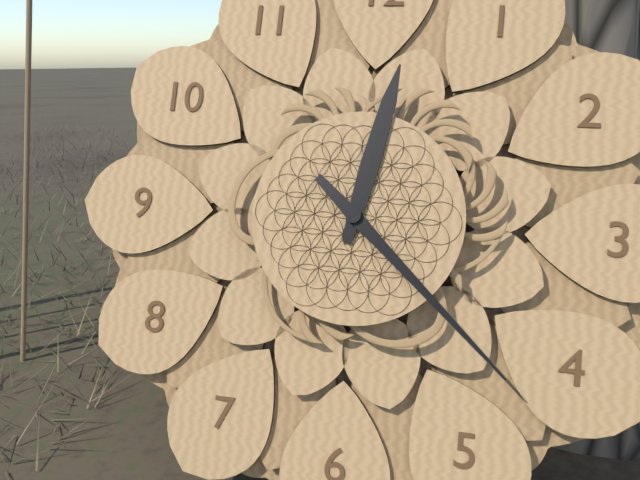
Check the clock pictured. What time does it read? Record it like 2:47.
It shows 12:22
